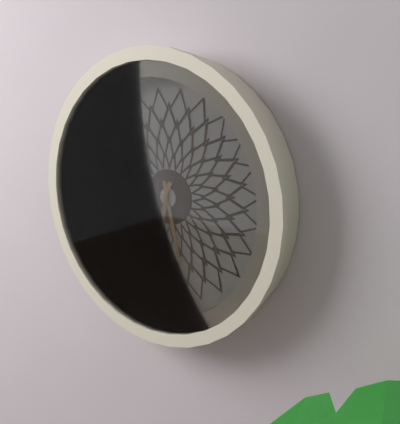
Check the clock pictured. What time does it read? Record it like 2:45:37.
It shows 5:32:34
